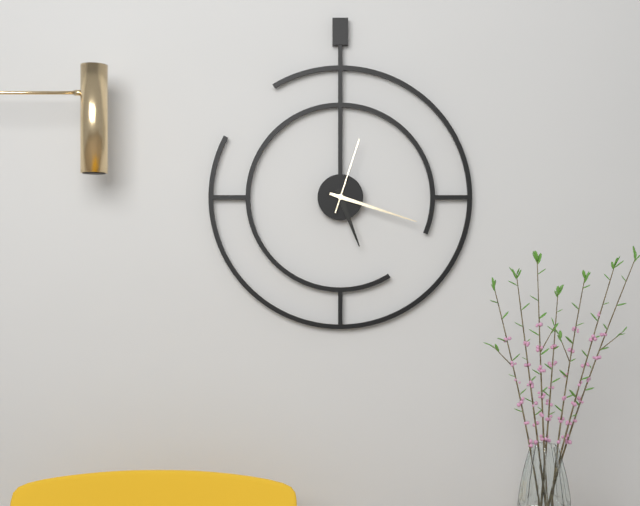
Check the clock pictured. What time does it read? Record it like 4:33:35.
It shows 5:18:03
